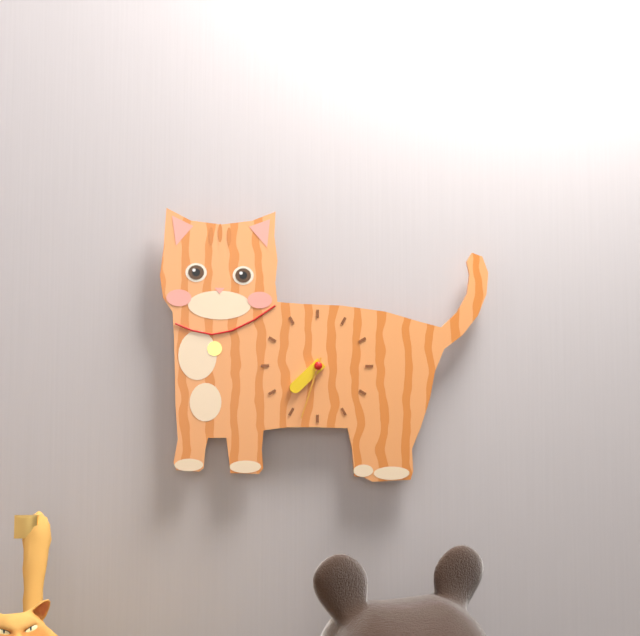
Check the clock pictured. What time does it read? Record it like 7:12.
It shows 7:33
